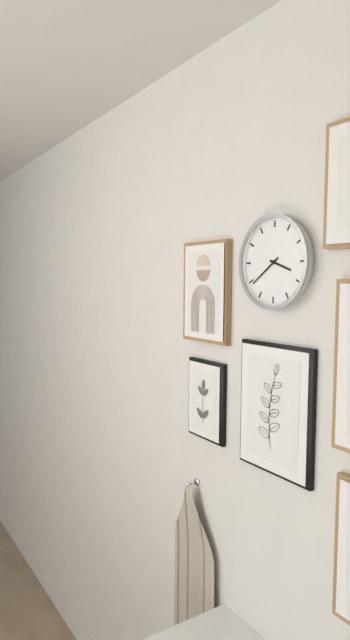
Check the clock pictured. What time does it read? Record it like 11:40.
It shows 3:39
